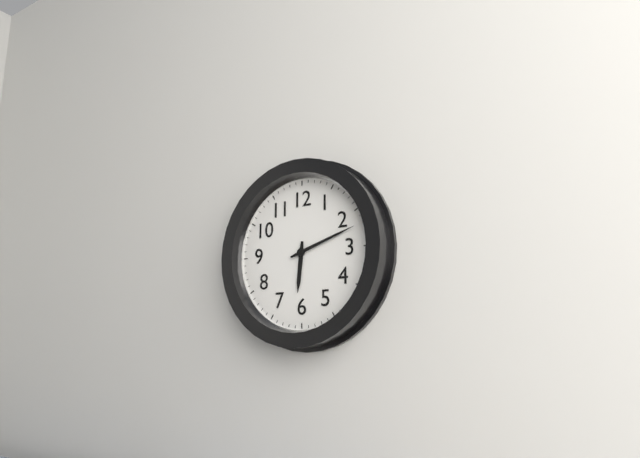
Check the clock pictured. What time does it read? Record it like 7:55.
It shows 6:12
